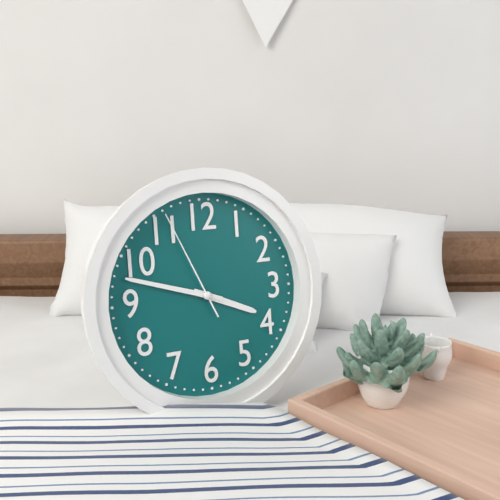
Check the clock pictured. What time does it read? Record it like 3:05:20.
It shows 3:48:56
